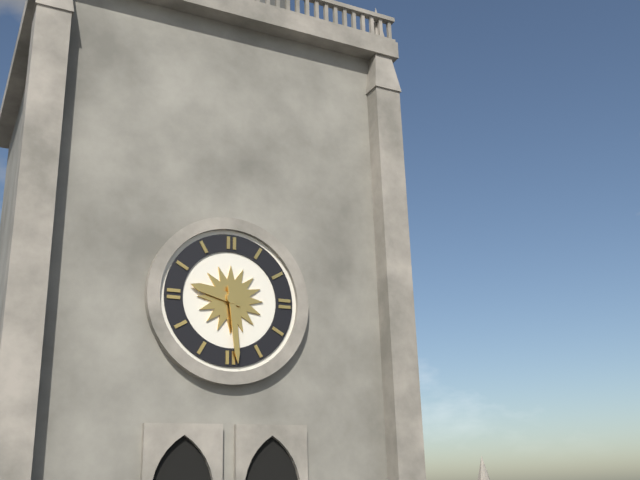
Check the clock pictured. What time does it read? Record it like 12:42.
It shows 9:29
